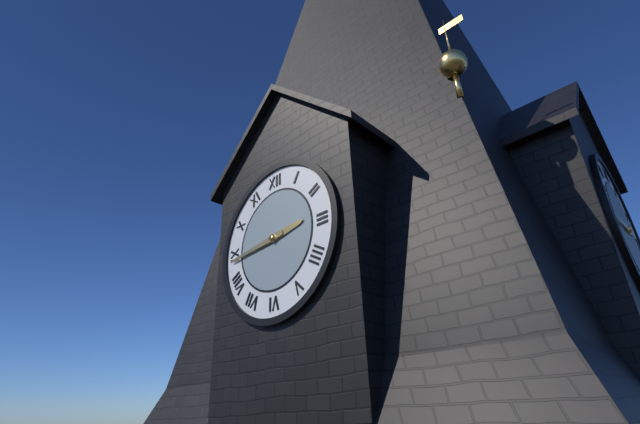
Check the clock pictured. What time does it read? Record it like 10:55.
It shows 2:44
